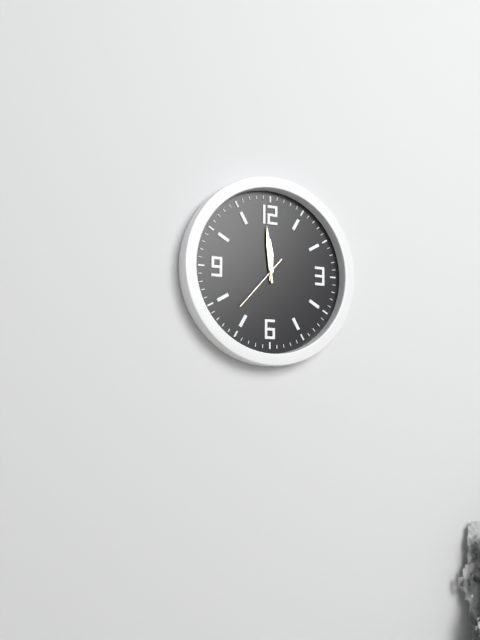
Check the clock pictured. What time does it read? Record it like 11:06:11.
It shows 11:59:37
